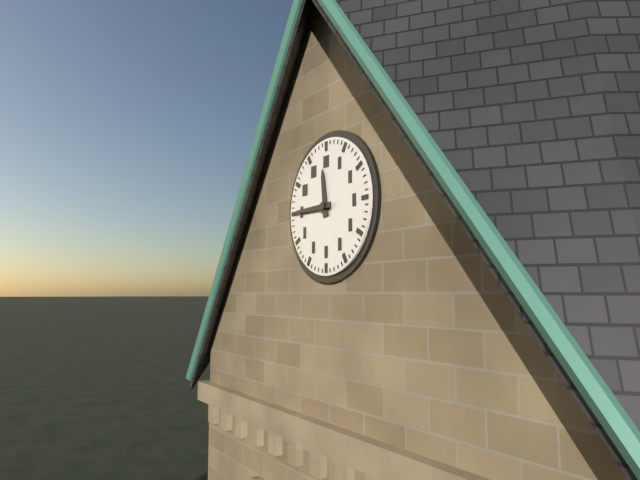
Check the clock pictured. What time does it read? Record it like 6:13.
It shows 11:45
